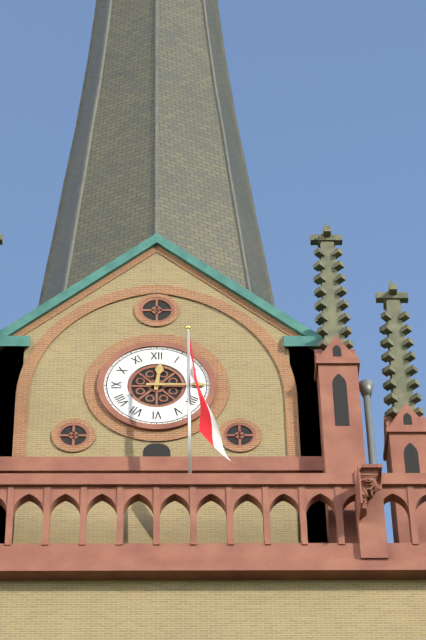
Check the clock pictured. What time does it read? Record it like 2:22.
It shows 12:15
